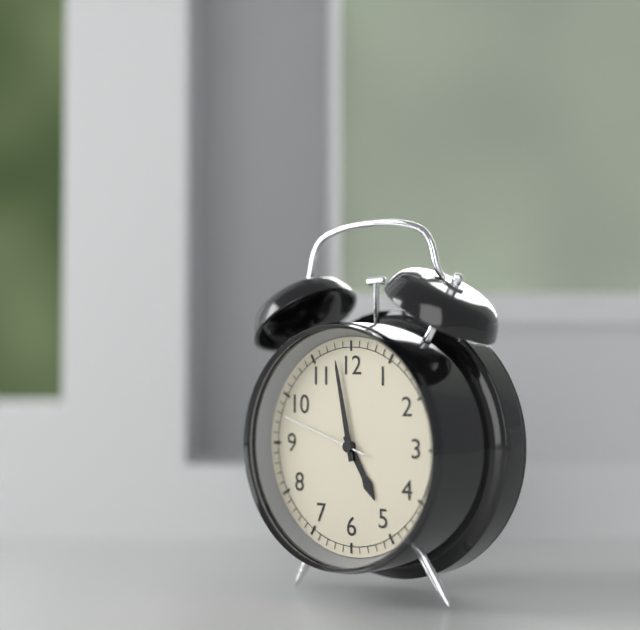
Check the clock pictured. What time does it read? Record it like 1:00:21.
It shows 4:58:48
